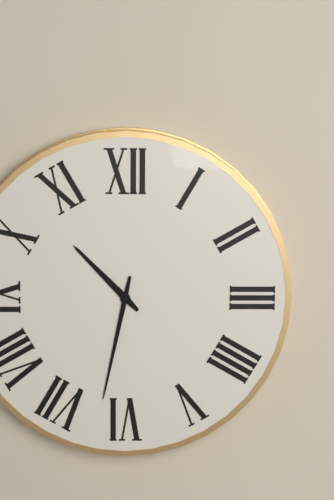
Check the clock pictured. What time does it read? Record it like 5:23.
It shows 10:32
